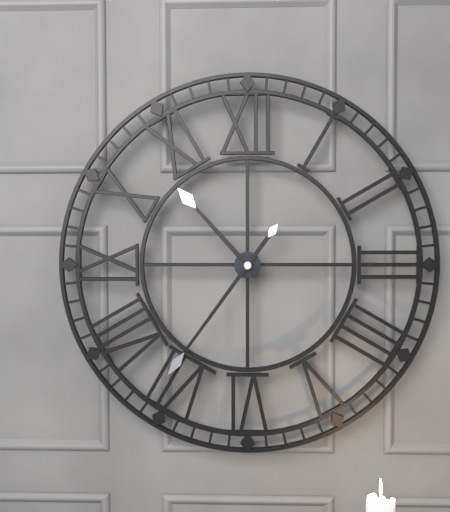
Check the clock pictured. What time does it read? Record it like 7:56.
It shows 10:36
